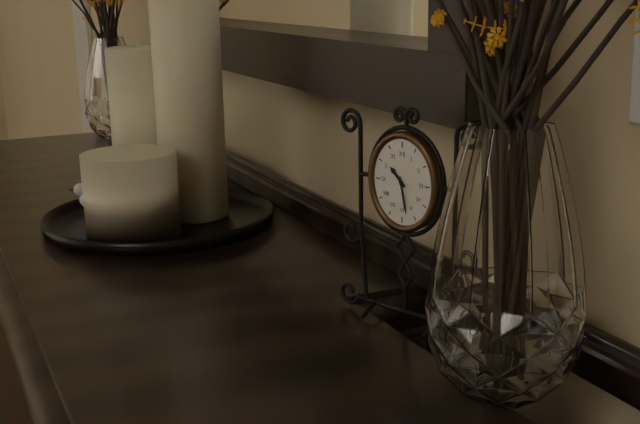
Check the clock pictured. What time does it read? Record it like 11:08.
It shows 10:28
